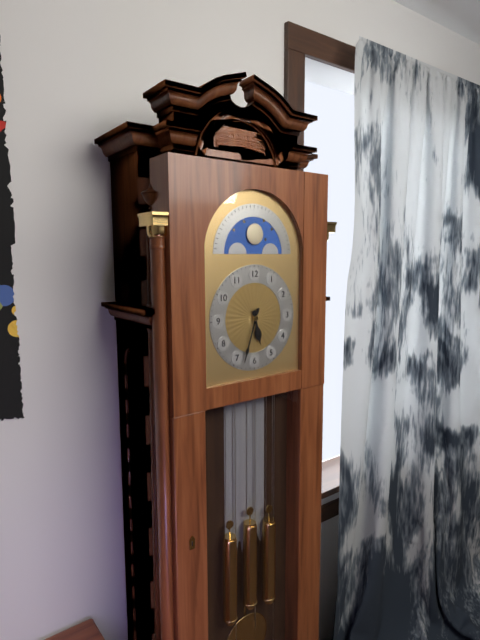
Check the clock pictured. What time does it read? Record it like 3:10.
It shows 5:33
